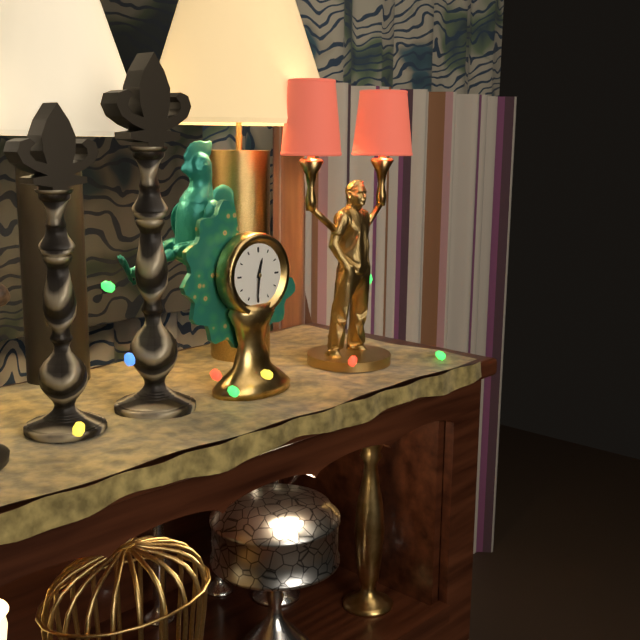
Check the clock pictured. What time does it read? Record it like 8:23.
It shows 12:31
